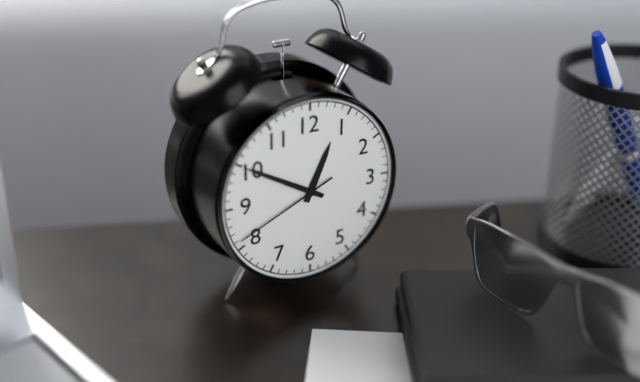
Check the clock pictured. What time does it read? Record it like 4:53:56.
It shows 12:50:41
